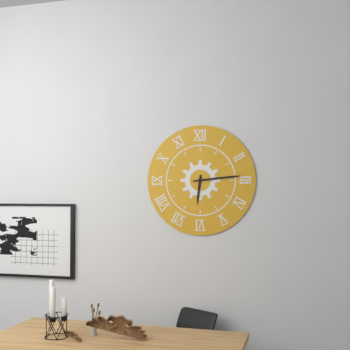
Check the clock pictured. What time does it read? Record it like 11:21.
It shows 6:14
